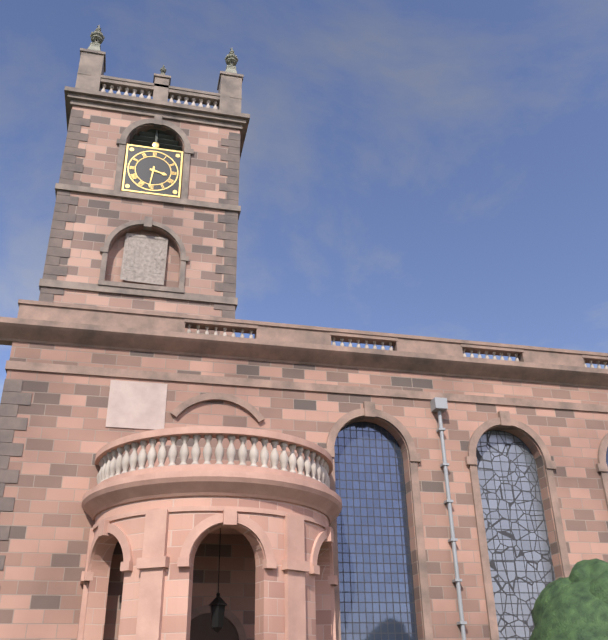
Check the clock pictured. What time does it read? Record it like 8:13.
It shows 3:31
